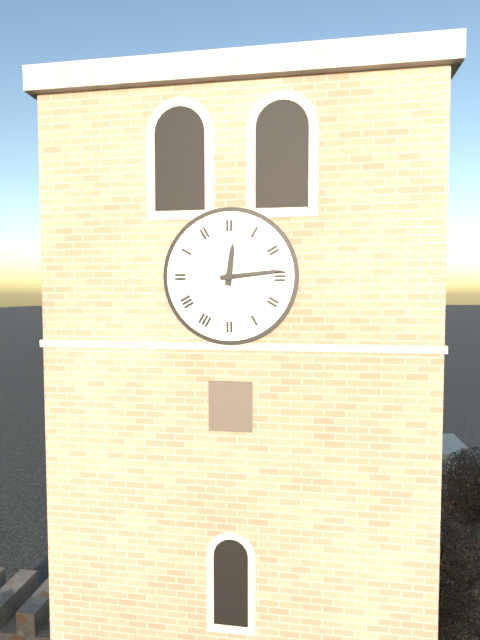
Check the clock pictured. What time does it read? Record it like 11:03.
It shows 12:14
